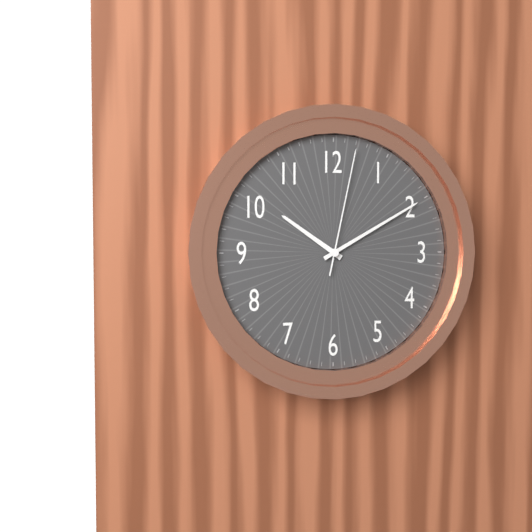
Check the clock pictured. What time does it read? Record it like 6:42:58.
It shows 10:10:02
